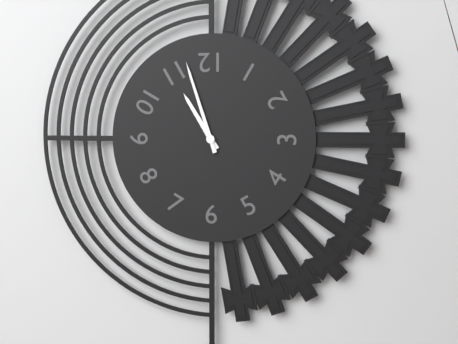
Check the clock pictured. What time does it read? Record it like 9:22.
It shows 10:57
